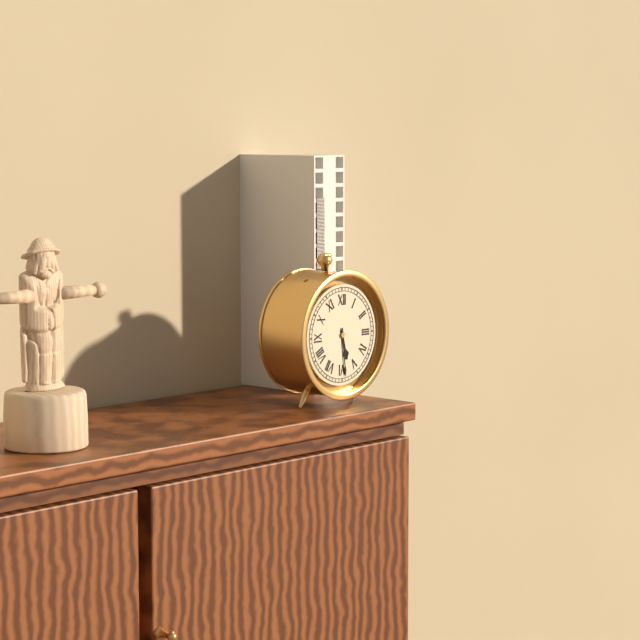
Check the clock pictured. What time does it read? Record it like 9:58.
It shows 5:29
